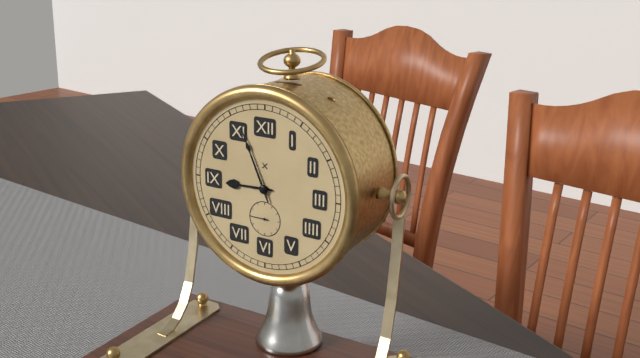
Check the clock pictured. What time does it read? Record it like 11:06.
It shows 8:56
